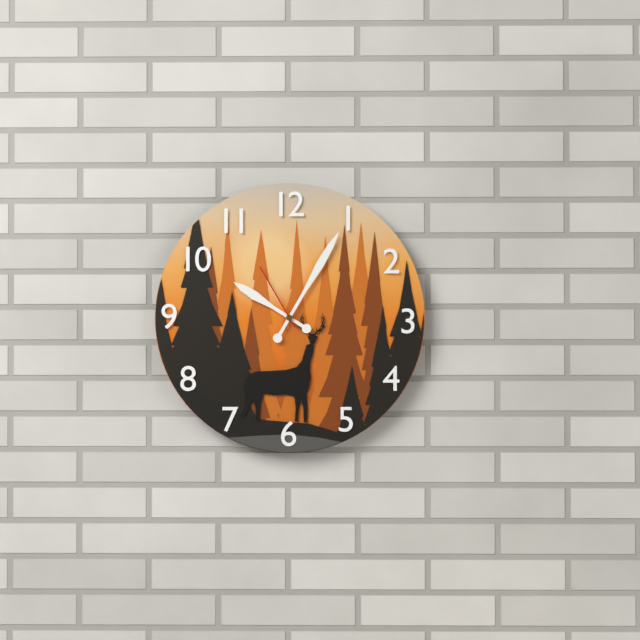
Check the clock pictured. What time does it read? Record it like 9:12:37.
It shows 10:05:55
